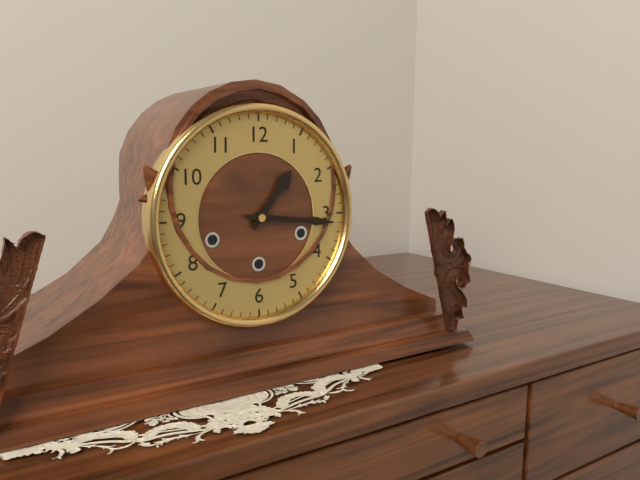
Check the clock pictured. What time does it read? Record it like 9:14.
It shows 1:16
